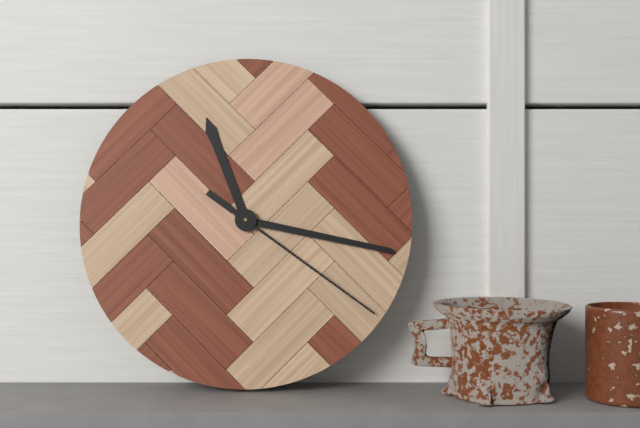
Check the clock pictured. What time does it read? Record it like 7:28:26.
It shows 11:17:21
